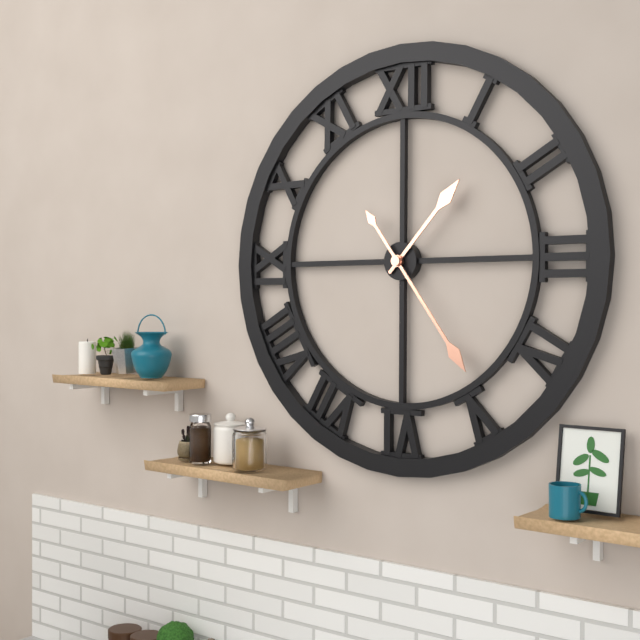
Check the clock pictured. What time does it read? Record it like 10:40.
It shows 1:24
